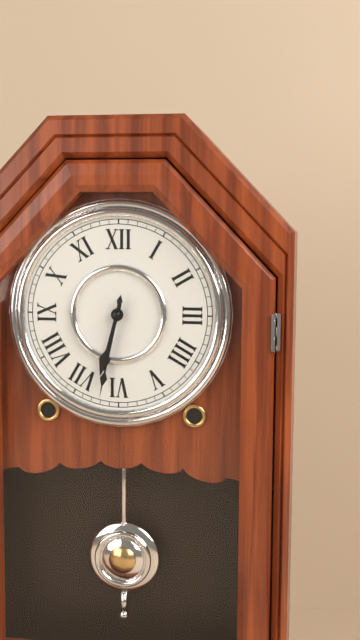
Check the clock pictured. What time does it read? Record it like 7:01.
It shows 6:32
